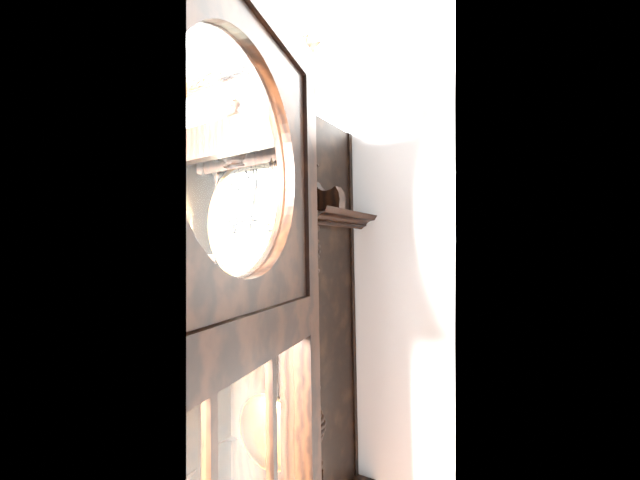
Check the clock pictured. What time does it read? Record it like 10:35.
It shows 9:02
